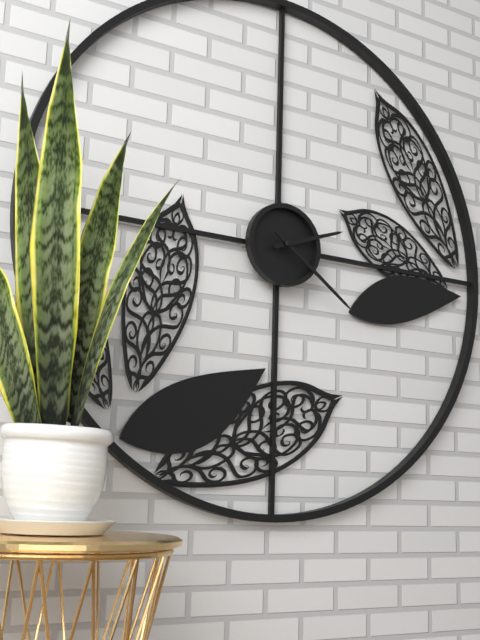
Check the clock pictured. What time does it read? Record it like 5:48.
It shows 2:21
